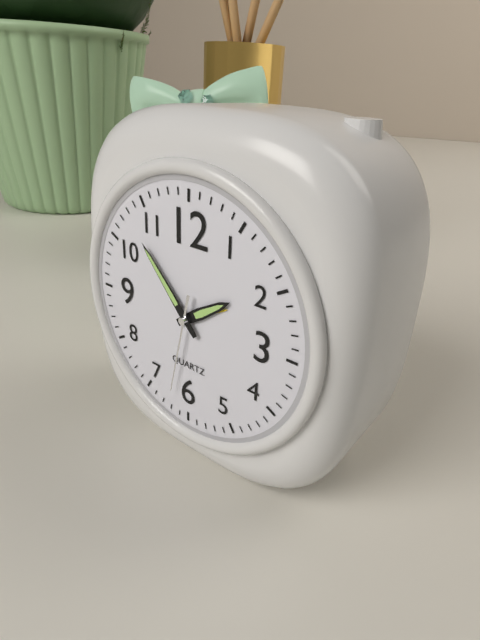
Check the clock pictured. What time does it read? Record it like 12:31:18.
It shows 1:53:32
